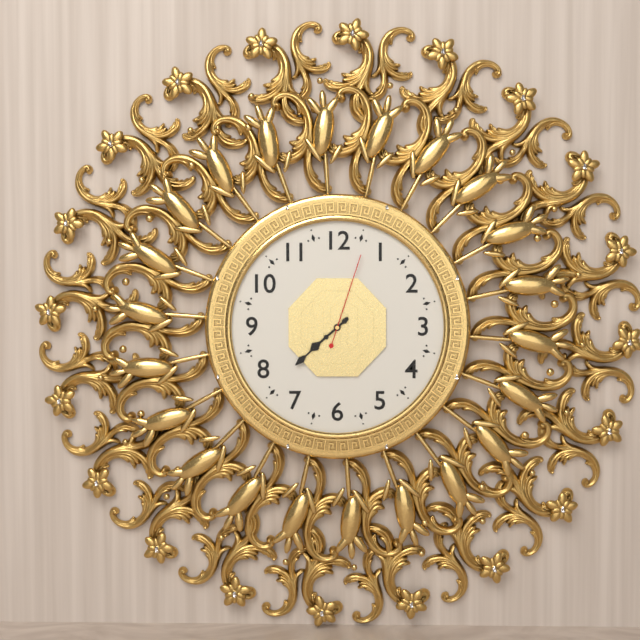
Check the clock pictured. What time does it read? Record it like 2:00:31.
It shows 7:38:03
